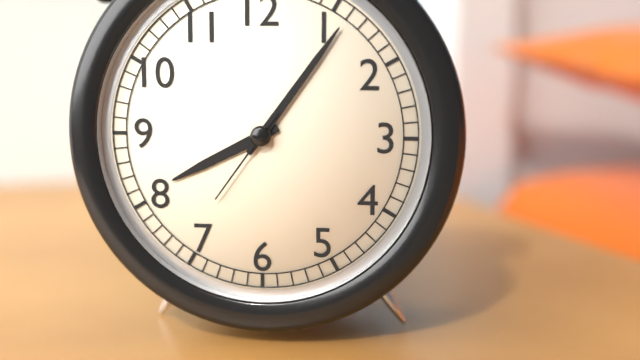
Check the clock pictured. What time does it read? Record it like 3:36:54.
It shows 8:06:36
